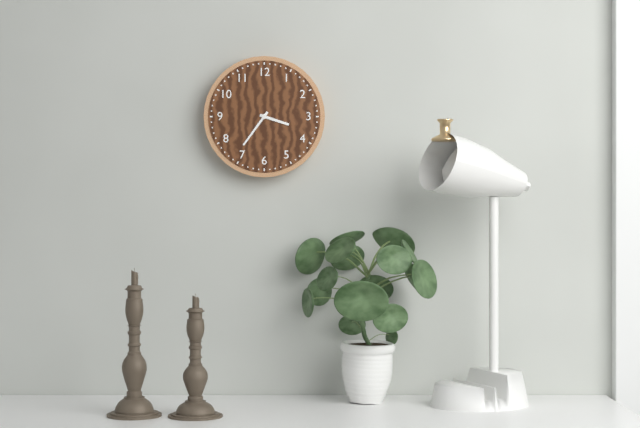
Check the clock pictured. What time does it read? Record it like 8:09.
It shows 3:36
